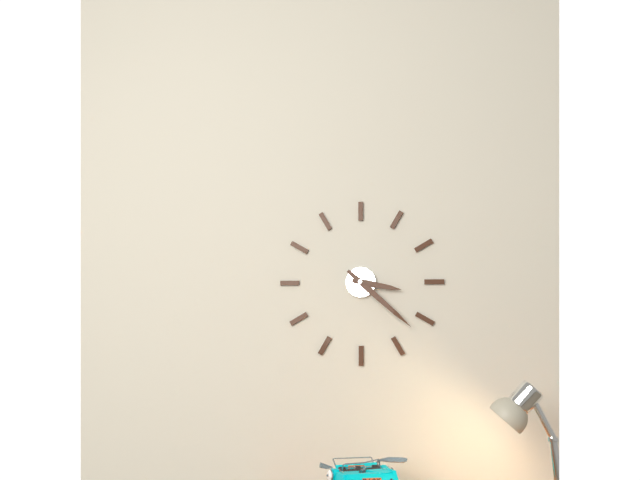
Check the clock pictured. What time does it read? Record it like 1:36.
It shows 3:22
